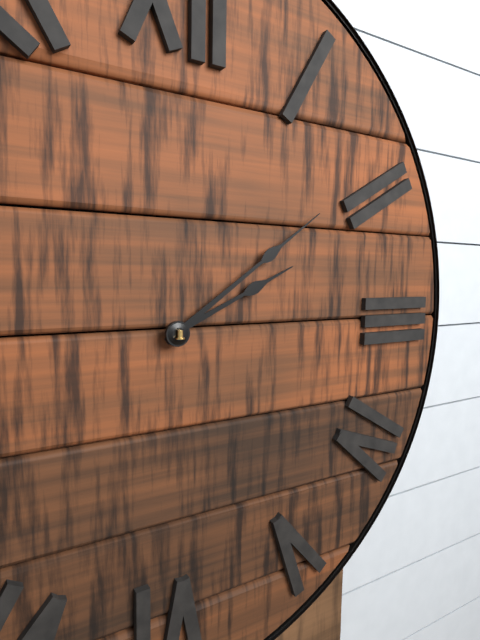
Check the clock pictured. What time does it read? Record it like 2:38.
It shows 2:09
